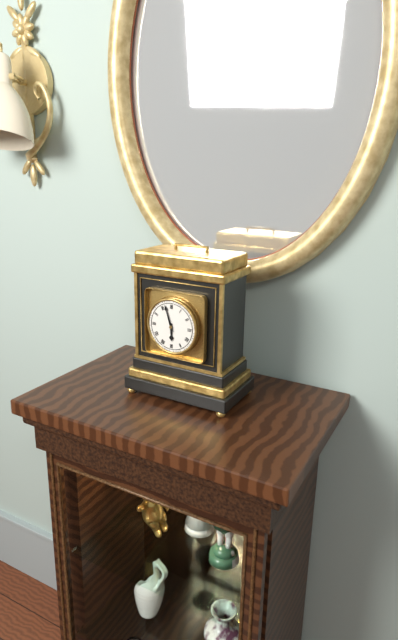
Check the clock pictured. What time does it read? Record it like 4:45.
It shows 5:57
